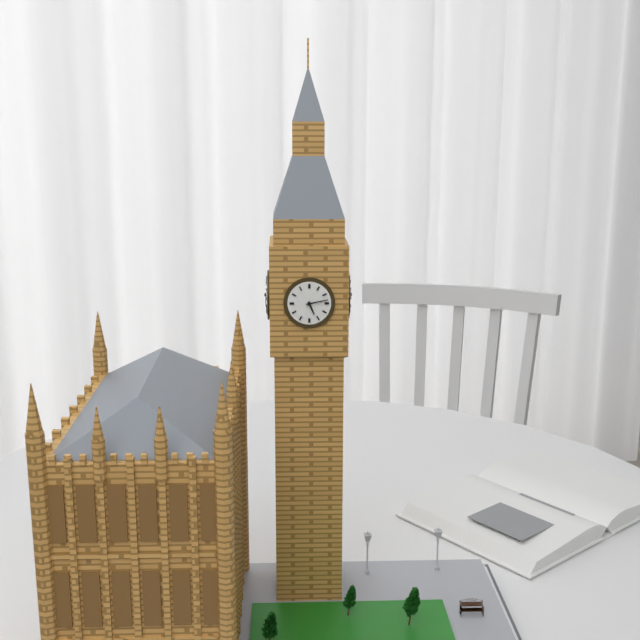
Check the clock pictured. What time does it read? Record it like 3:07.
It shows 5:13
